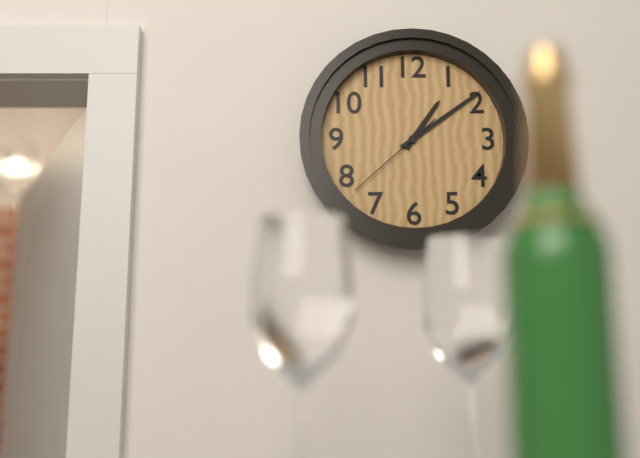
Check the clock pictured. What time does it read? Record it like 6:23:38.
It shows 1:09:38
